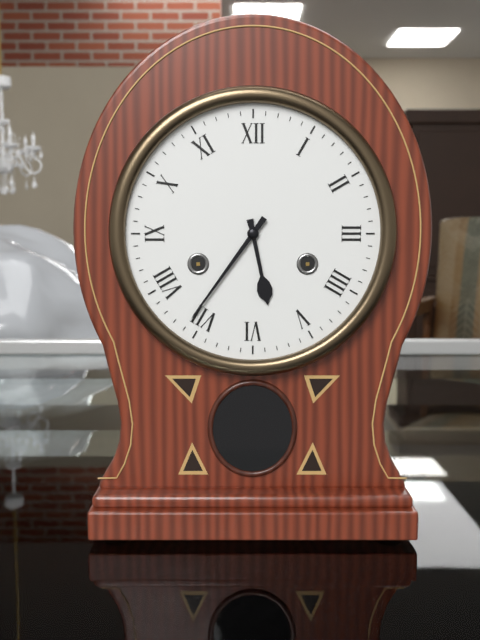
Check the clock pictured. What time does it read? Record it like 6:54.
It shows 5:36
